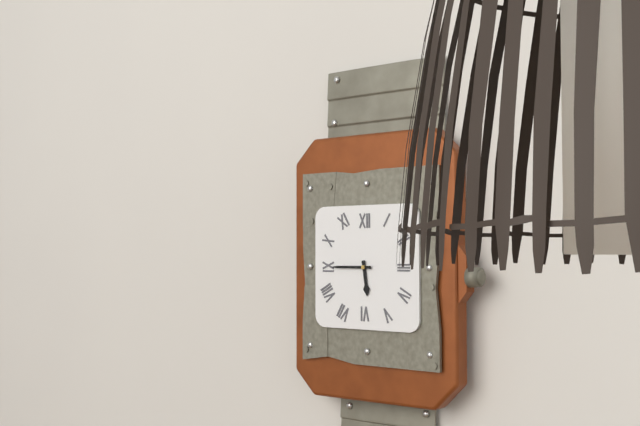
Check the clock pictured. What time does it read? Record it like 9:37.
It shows 5:45
